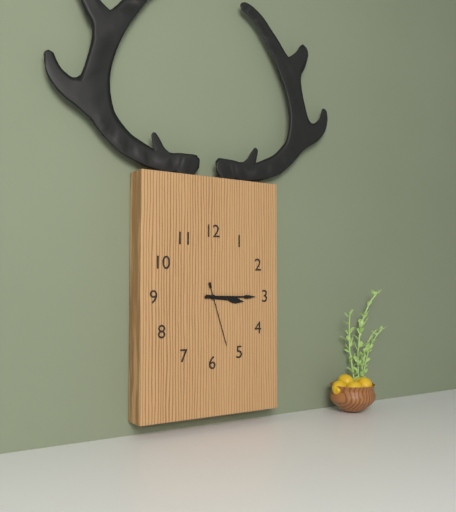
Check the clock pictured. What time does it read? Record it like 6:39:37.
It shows 3:15:27
